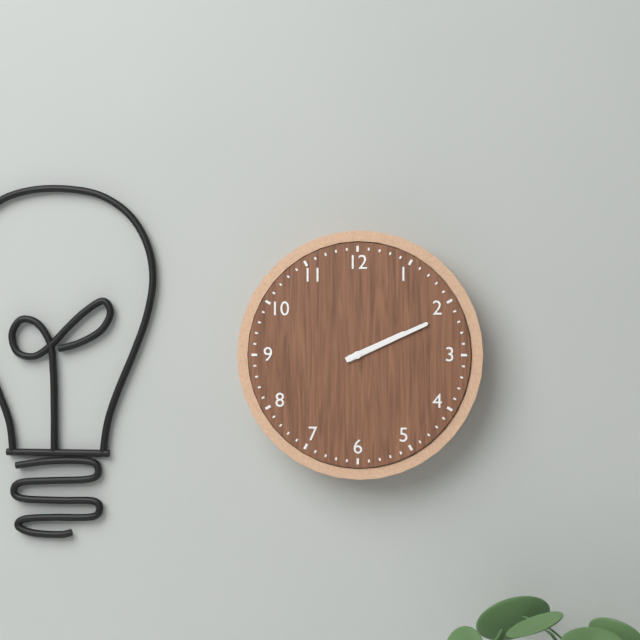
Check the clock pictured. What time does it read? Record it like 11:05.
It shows 2:11
